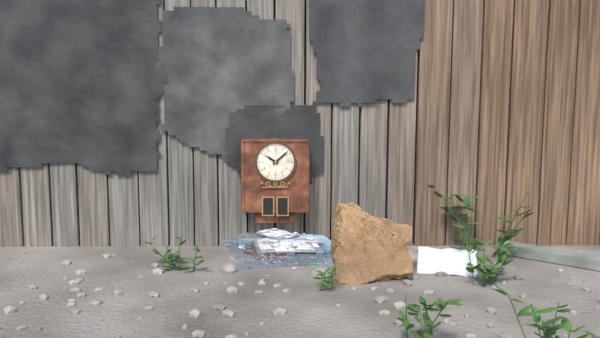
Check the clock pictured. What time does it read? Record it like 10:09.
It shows 10:08
